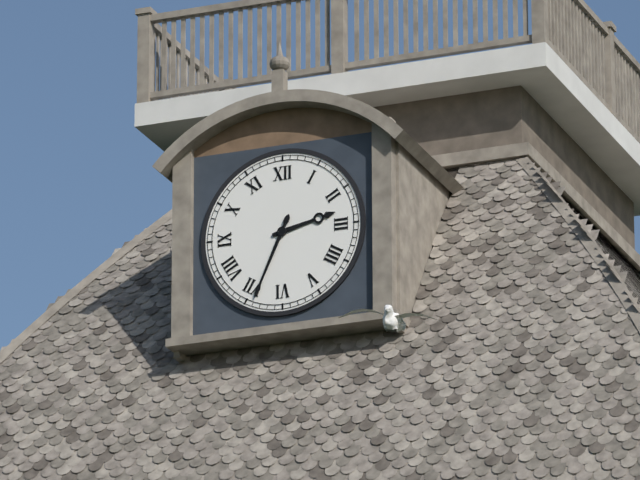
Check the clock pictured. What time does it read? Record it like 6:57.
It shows 2:34
